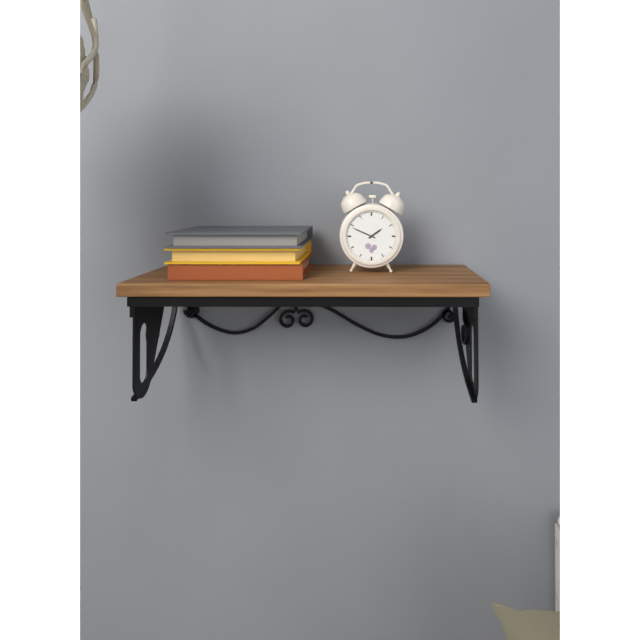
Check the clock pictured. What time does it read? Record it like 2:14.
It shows 1:49
